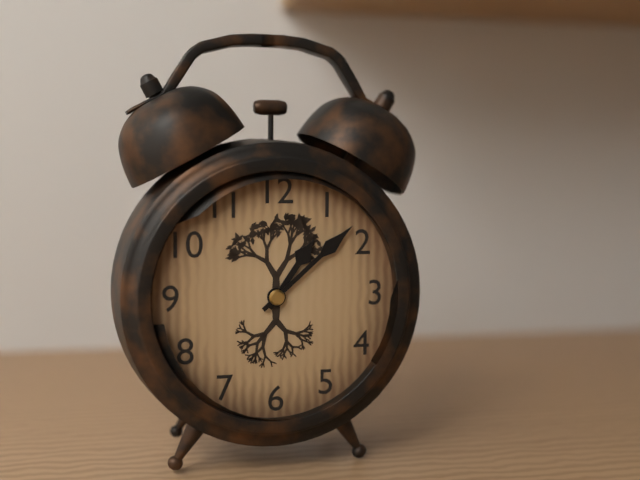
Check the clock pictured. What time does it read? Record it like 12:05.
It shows 1:08
